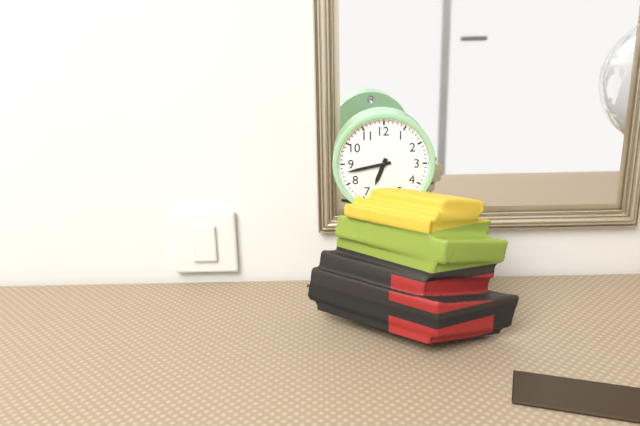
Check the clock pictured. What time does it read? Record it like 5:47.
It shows 6:43
